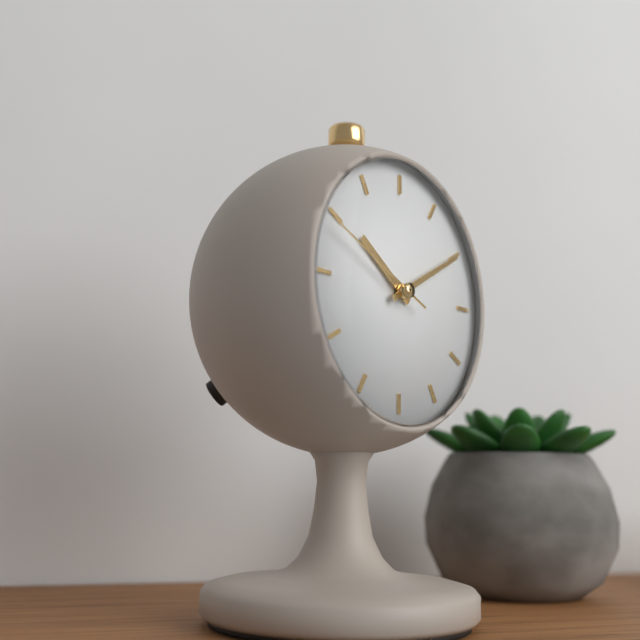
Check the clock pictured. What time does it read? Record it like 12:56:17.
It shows 10:10:49
